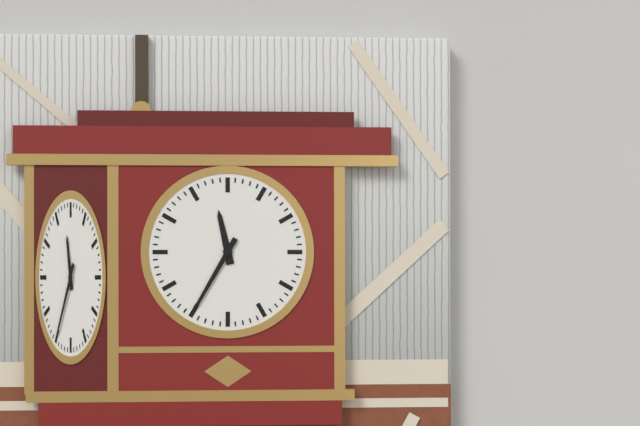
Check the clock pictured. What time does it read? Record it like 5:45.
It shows 11:35
